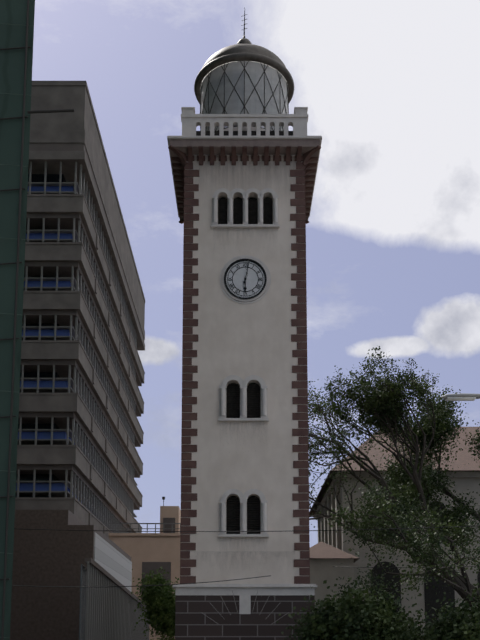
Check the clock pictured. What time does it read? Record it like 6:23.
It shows 6:02
